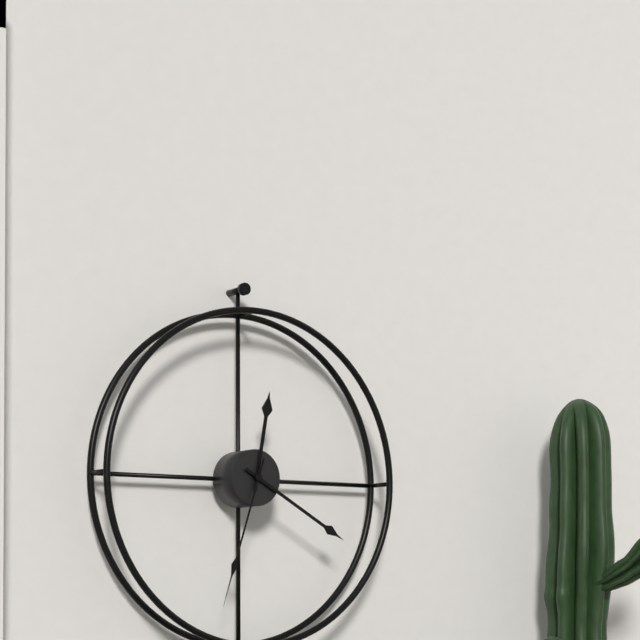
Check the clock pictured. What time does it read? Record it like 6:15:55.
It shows 12:20:33
